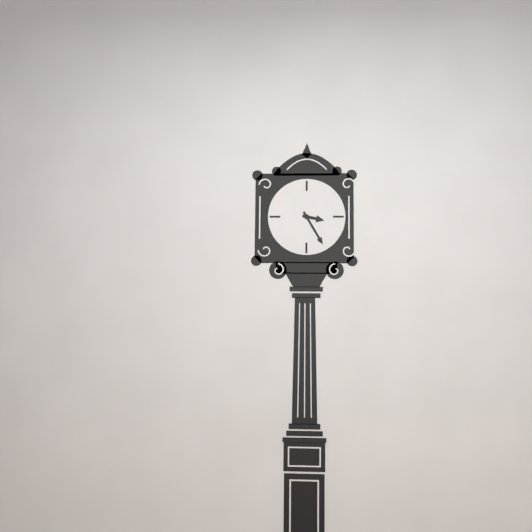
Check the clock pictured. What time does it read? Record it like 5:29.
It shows 3:25
